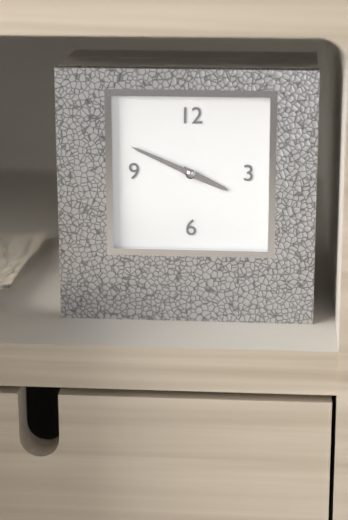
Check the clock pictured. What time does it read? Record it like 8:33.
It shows 3:49
